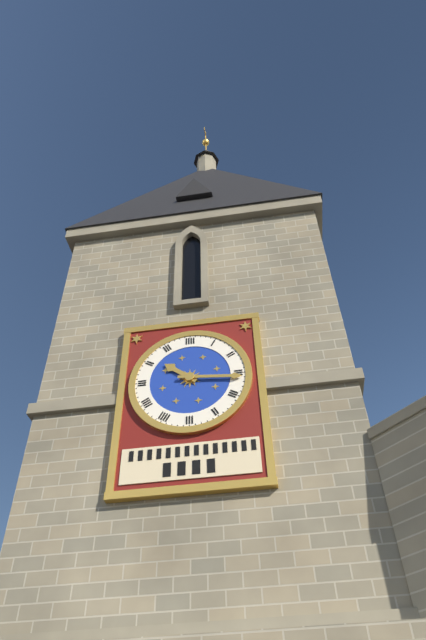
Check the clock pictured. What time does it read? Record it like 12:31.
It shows 10:16
